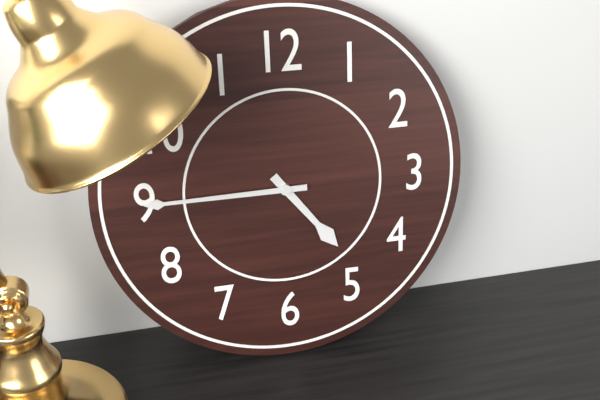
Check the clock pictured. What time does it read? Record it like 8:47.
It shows 4:45
